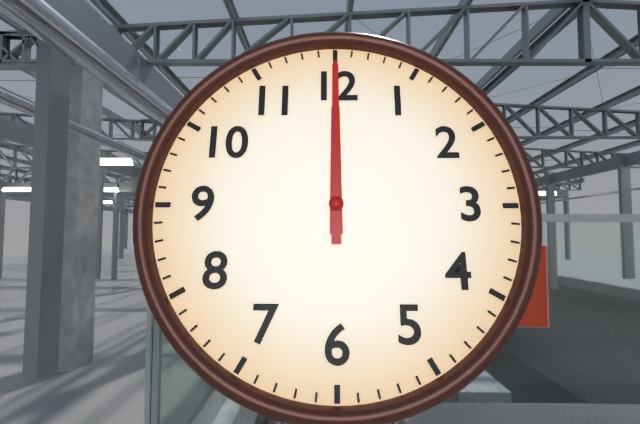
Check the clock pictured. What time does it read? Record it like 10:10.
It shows 12:00
